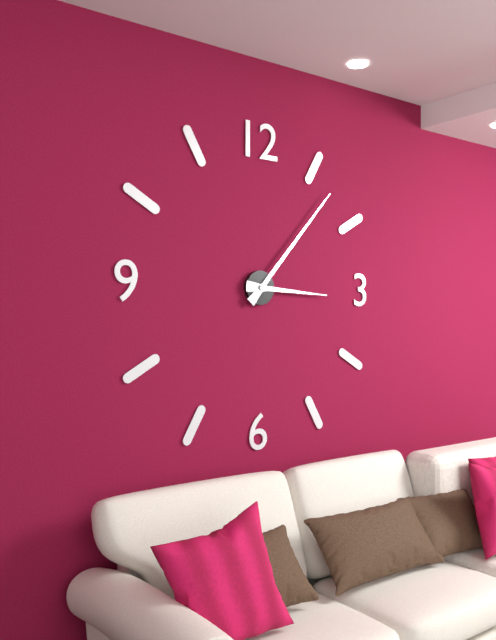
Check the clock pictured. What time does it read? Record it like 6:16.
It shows 3:07
